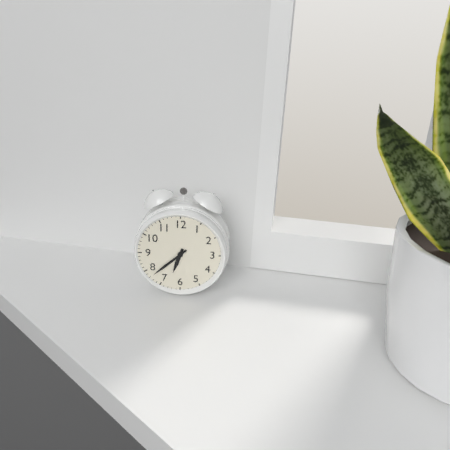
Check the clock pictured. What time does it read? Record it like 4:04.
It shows 6:38
